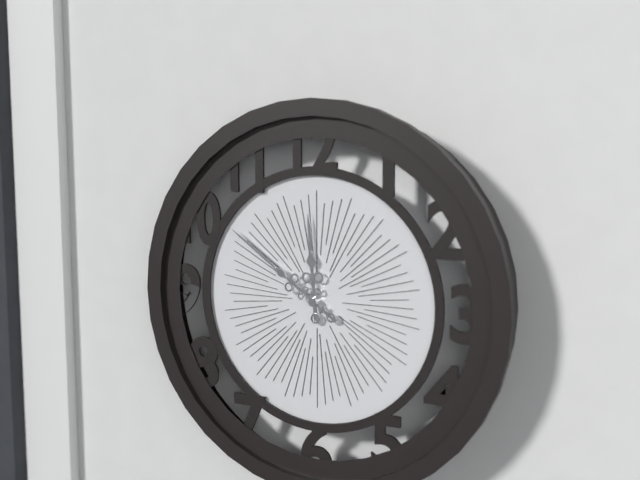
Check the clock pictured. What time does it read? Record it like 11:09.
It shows 11:51
